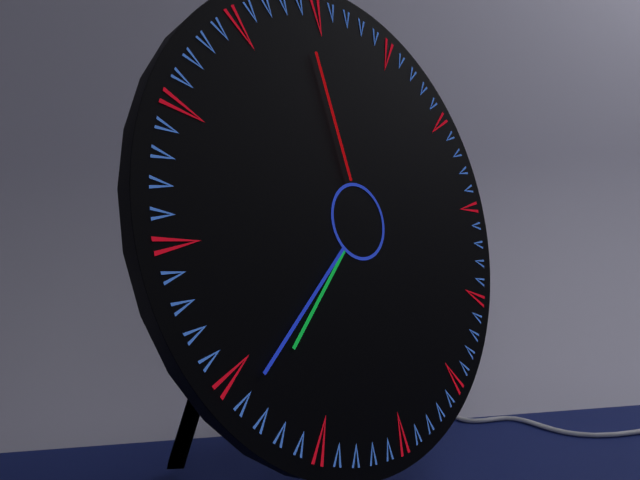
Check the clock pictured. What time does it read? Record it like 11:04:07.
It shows 7:39:59
